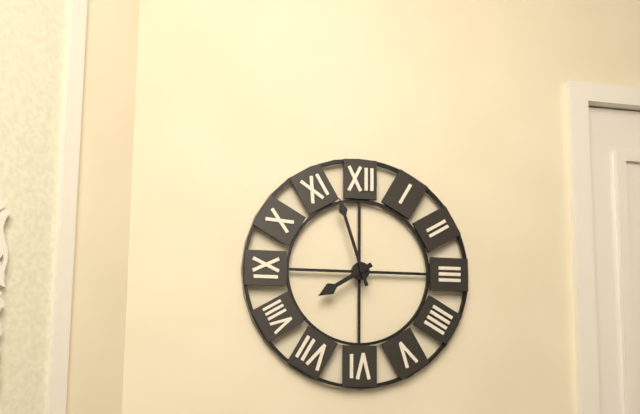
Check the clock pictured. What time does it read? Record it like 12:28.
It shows 7:57
